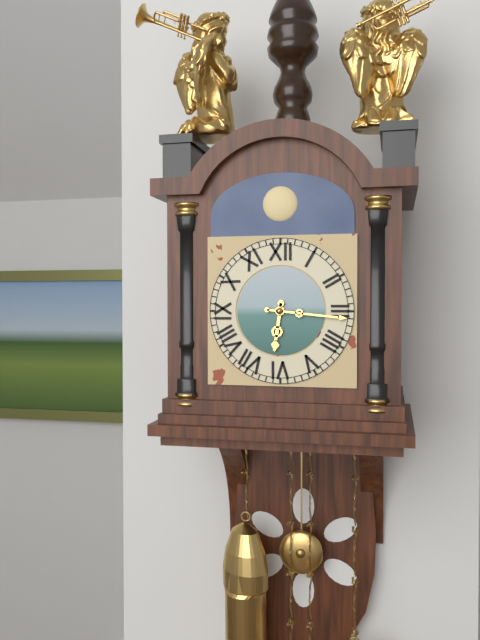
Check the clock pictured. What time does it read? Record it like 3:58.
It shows 6:16
